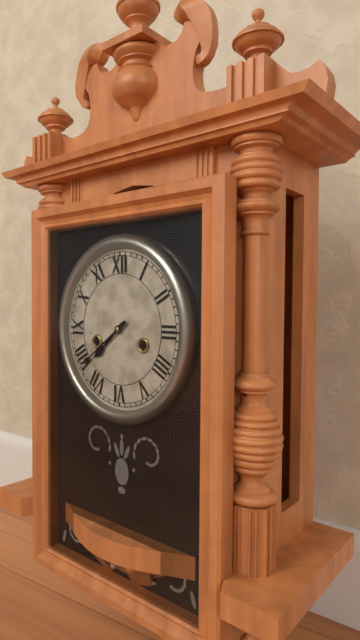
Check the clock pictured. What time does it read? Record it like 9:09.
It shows 7:39
